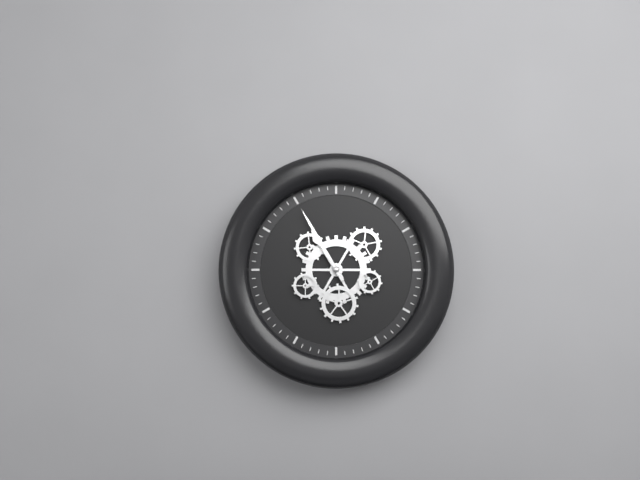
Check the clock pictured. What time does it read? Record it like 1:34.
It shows 10:55
